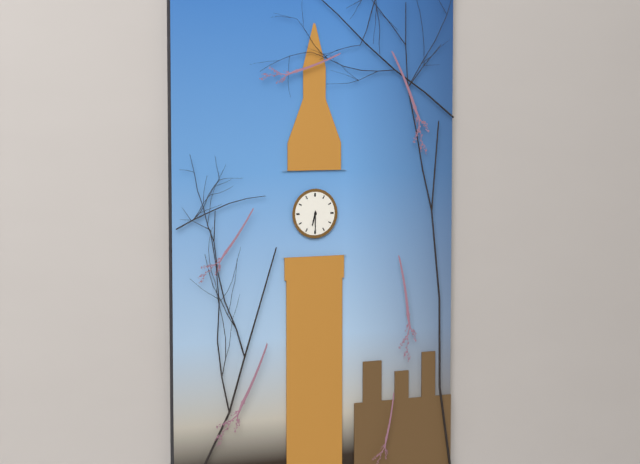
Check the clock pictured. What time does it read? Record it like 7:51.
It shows 6:30
